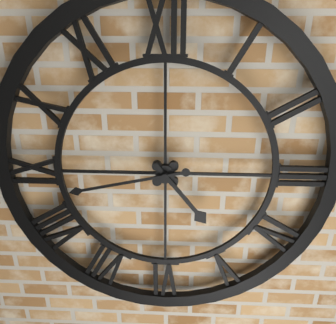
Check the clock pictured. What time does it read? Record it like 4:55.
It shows 4:43
